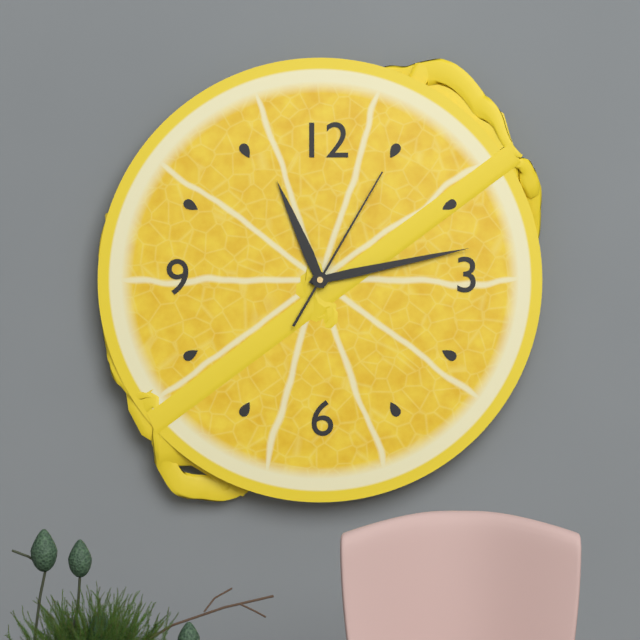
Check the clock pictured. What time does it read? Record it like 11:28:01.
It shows 11:13:05
